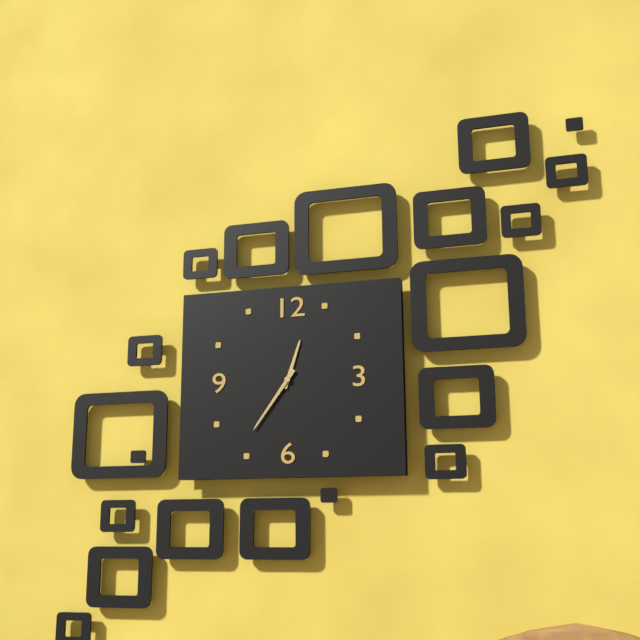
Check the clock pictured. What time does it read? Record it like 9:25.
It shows 12:36
